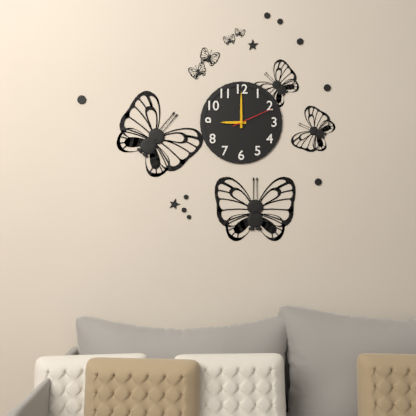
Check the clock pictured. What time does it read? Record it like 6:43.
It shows 9:00
